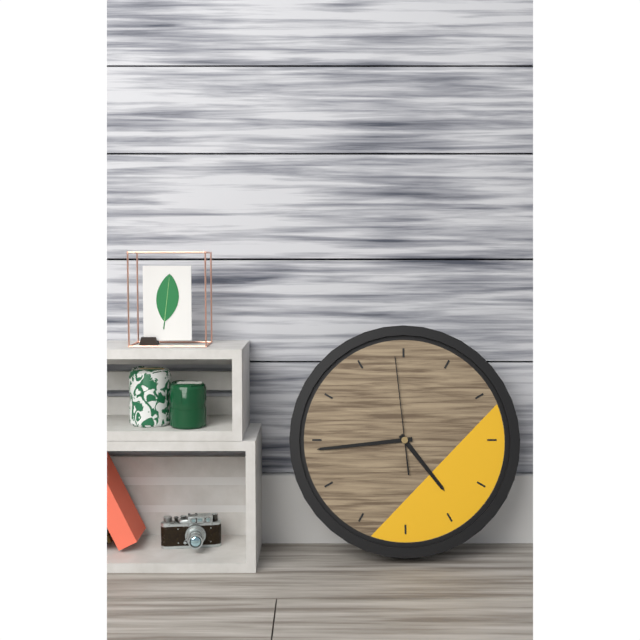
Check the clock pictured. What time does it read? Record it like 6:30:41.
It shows 4:44:59
